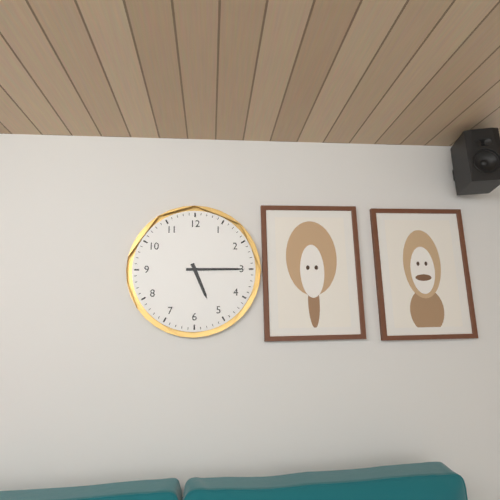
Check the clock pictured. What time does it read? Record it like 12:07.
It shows 5:15
